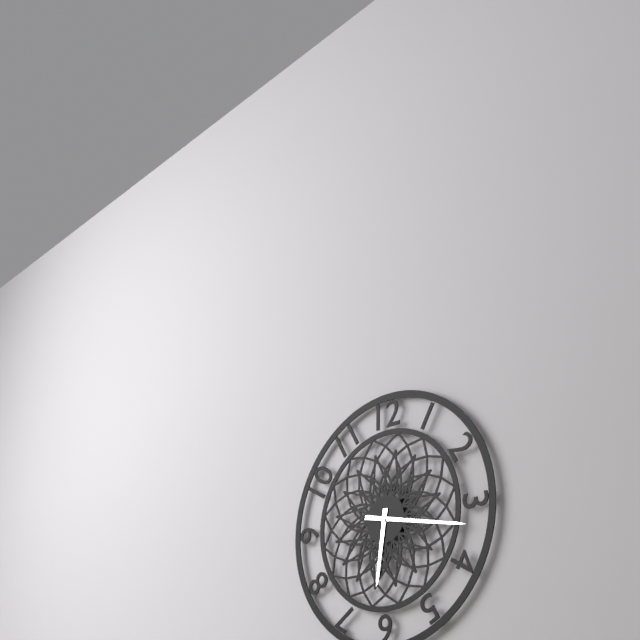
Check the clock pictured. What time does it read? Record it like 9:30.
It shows 6:17
